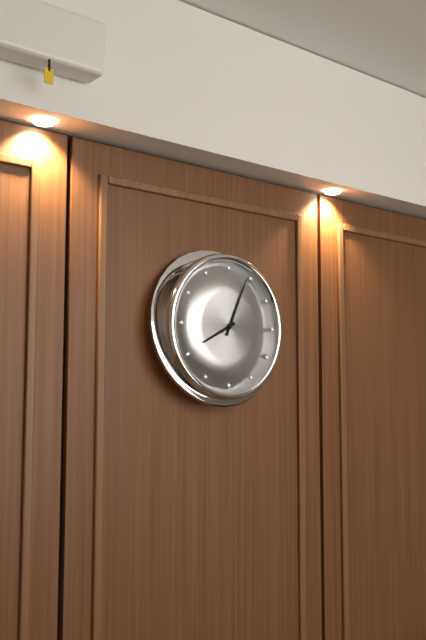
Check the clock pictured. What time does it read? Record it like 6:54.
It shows 8:04
